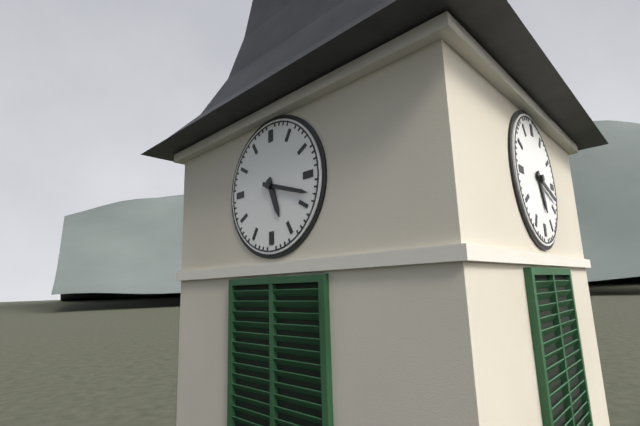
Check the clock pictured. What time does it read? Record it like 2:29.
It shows 5:18
